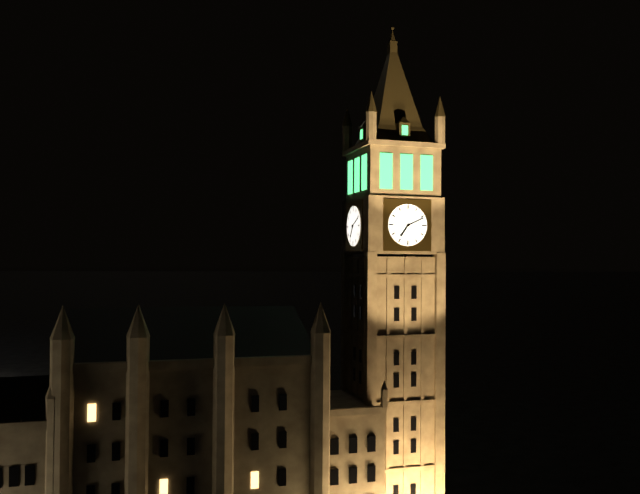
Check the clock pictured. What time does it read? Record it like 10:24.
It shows 7:11
